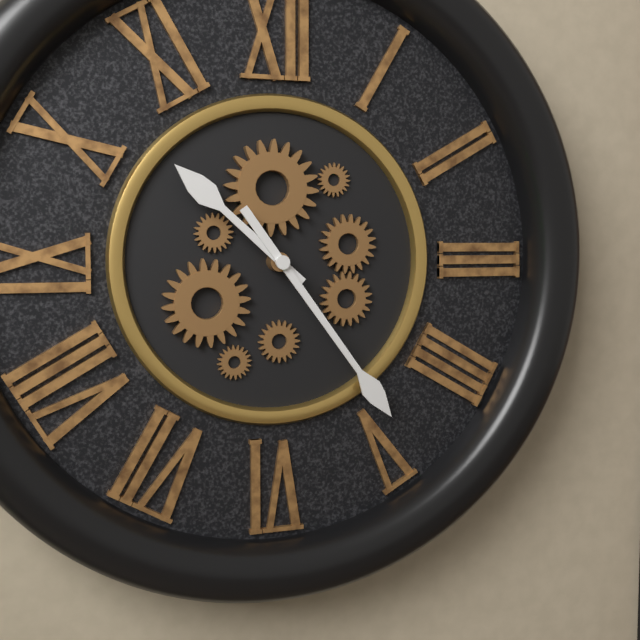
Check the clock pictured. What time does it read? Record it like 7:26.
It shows 10:24
